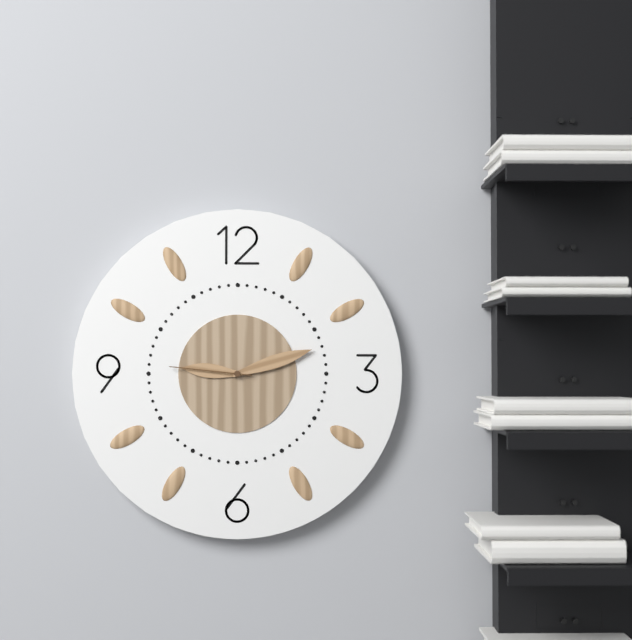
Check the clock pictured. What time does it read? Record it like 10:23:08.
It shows 9:12:46
